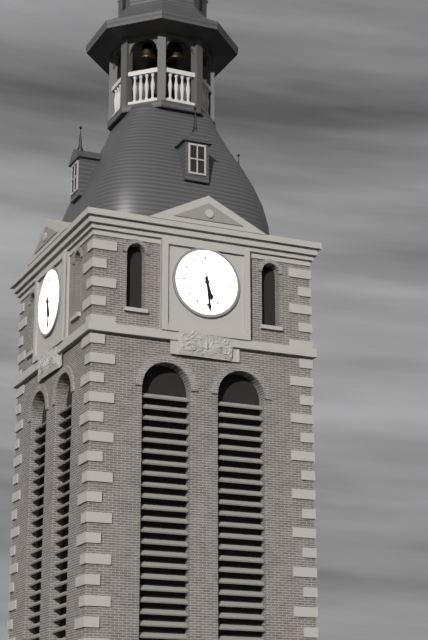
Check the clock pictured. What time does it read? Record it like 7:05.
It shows 5:29
